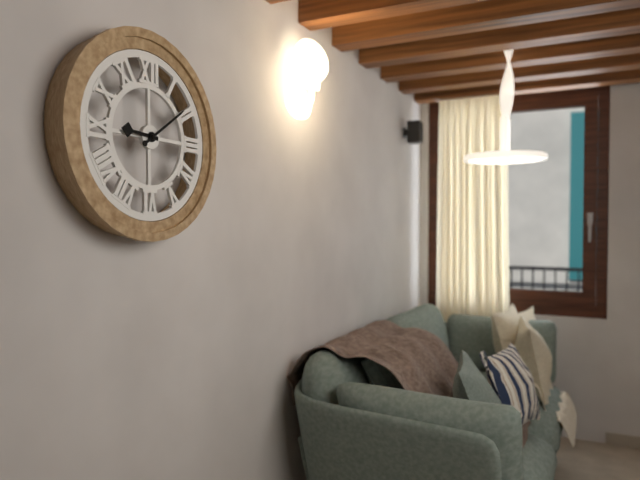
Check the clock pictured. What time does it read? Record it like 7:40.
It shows 9:09
